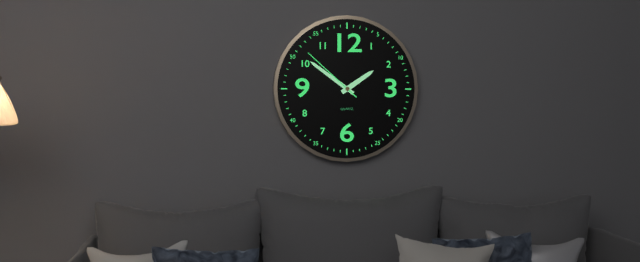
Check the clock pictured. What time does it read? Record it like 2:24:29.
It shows 1:51:52
